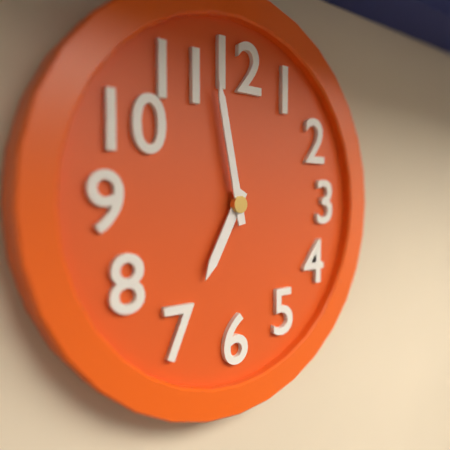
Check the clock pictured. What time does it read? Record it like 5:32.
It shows 6:58
